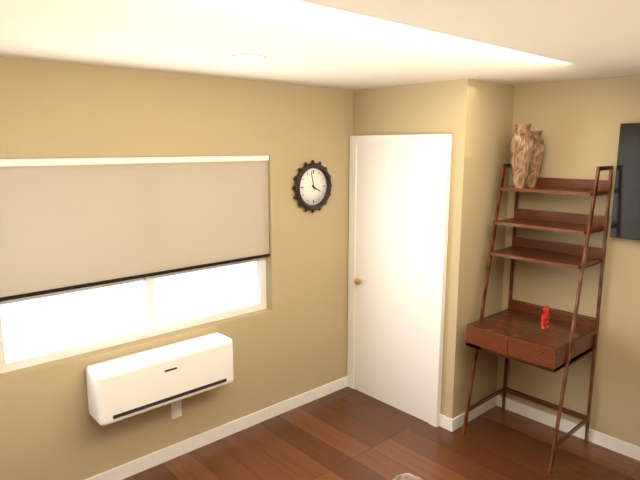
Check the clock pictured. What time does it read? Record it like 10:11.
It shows 3:58
